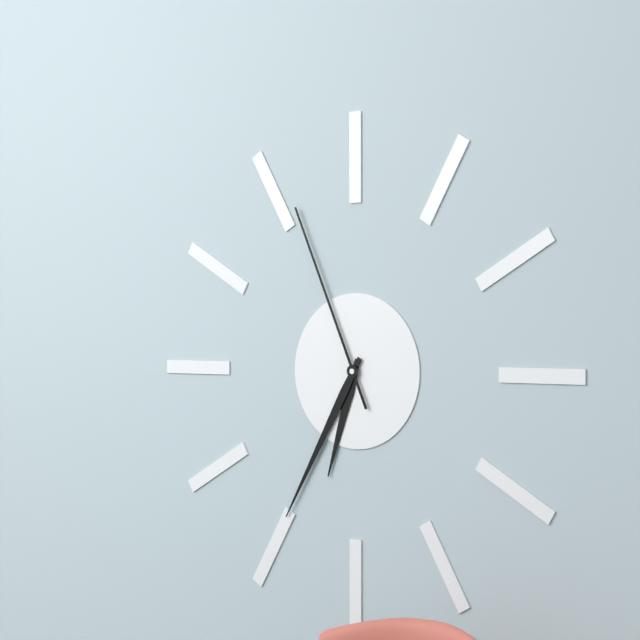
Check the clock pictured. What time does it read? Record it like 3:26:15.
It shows 6:35:56
